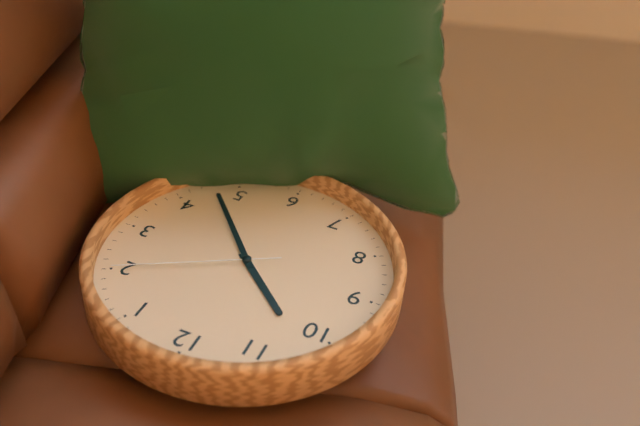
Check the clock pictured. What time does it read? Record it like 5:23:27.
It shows 10:23:10
